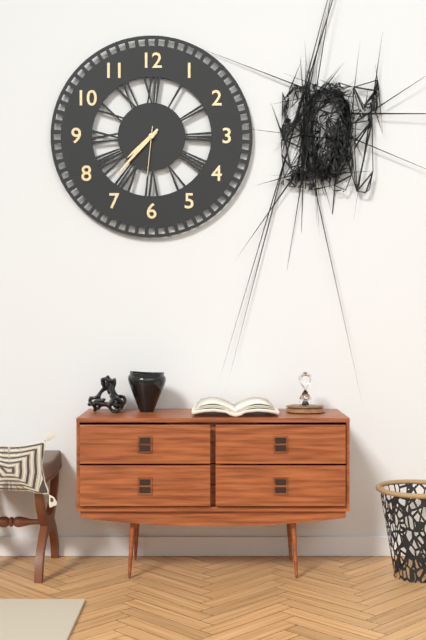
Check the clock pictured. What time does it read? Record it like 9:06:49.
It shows 7:37:31
